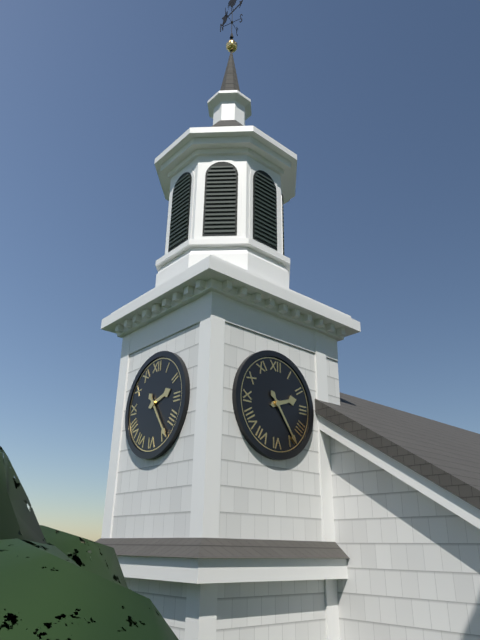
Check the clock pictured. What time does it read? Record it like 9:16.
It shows 2:24
